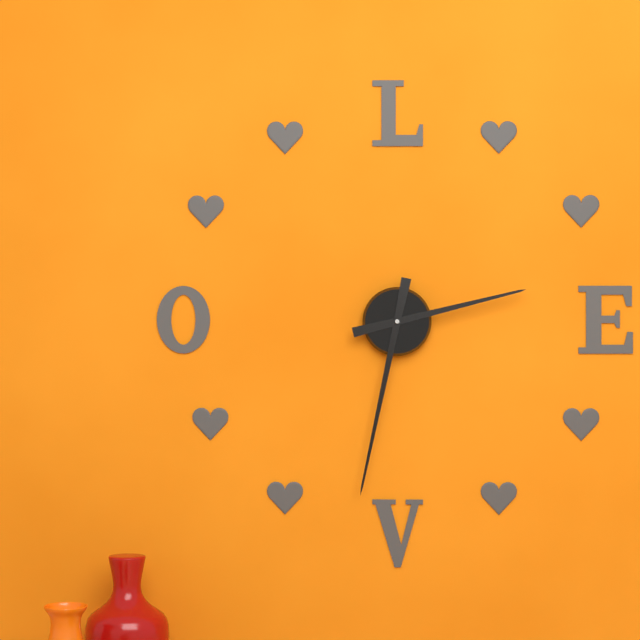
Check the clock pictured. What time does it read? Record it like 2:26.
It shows 2:32
